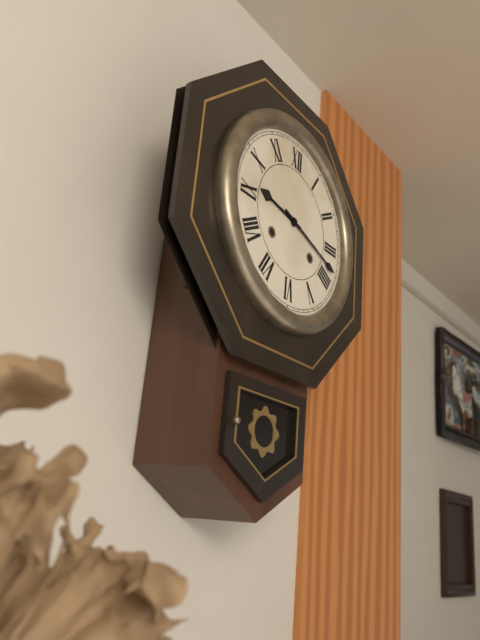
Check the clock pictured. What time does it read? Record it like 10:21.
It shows 9:18
